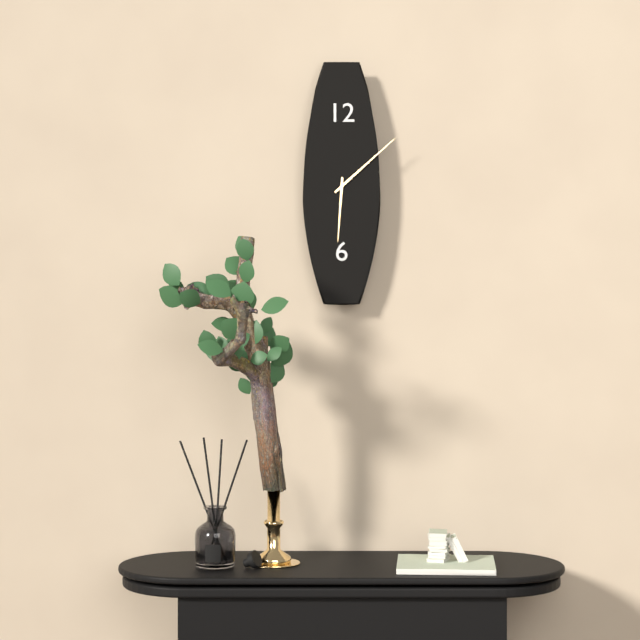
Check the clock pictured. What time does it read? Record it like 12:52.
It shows 6:08
